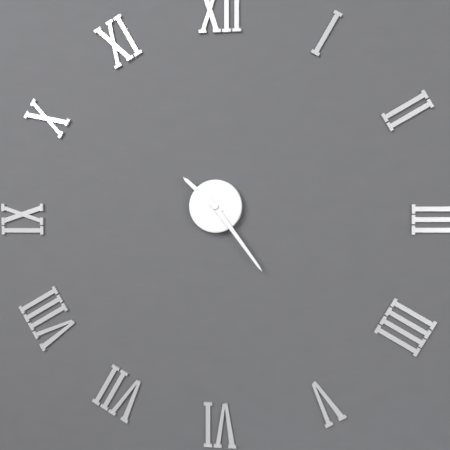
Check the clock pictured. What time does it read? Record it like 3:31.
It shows 10:24
